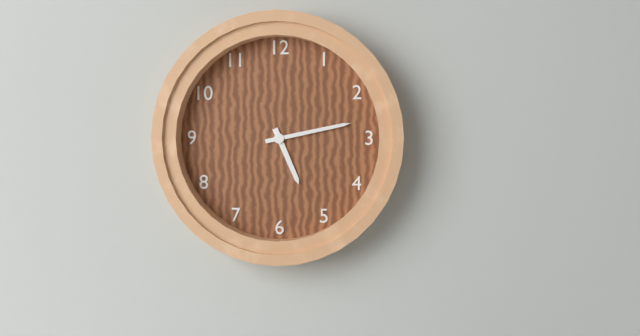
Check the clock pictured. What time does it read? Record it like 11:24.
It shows 5:13
